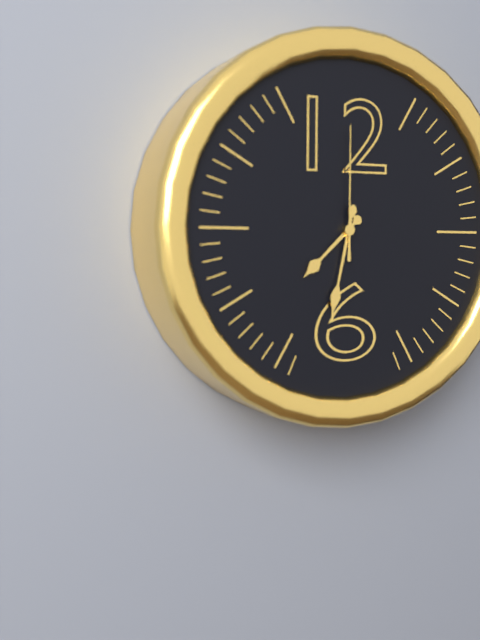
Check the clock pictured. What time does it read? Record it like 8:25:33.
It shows 7:32:00
